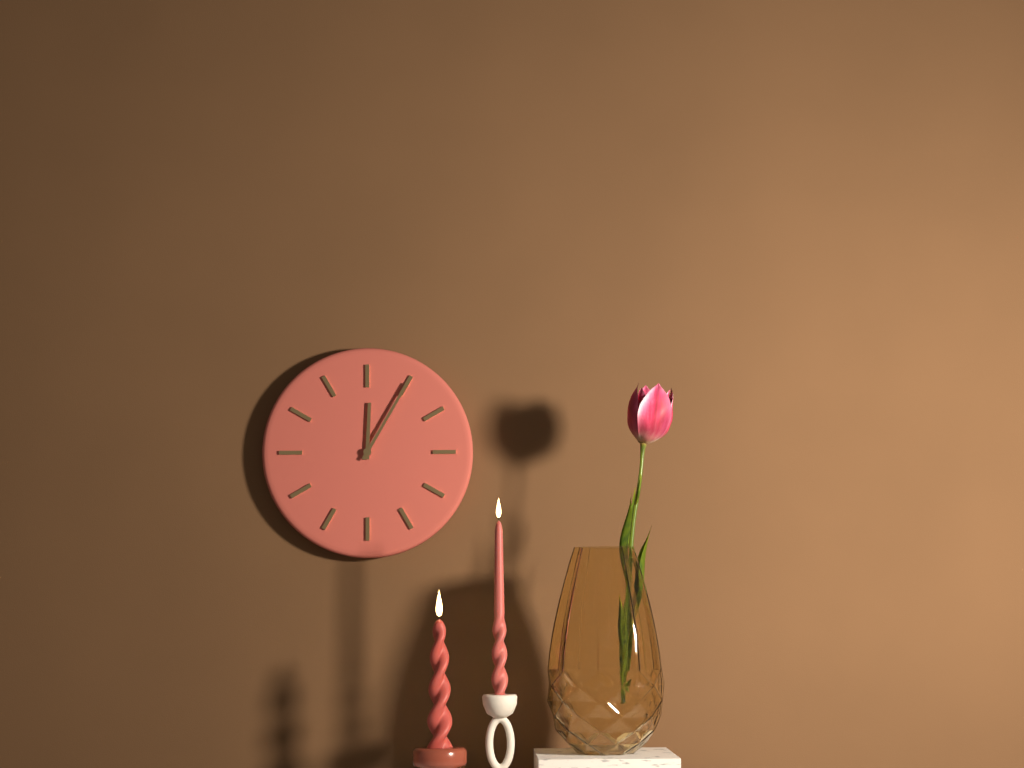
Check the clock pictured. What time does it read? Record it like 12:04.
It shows 12:05
